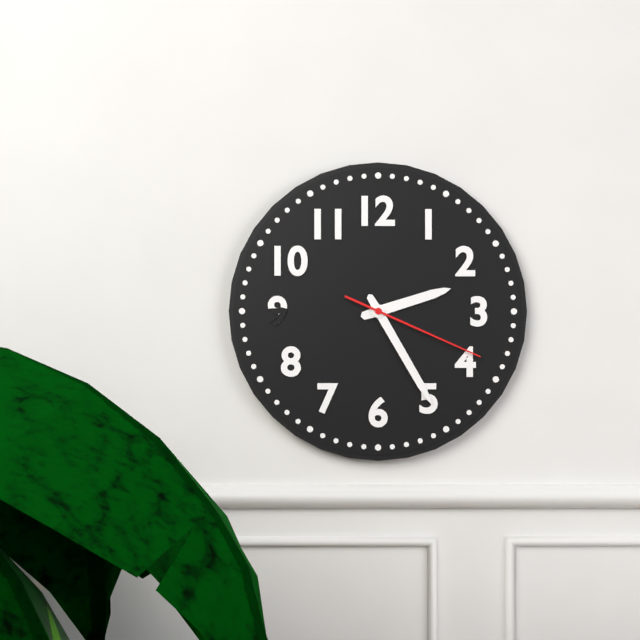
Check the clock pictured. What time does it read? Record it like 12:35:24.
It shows 2:25:19
